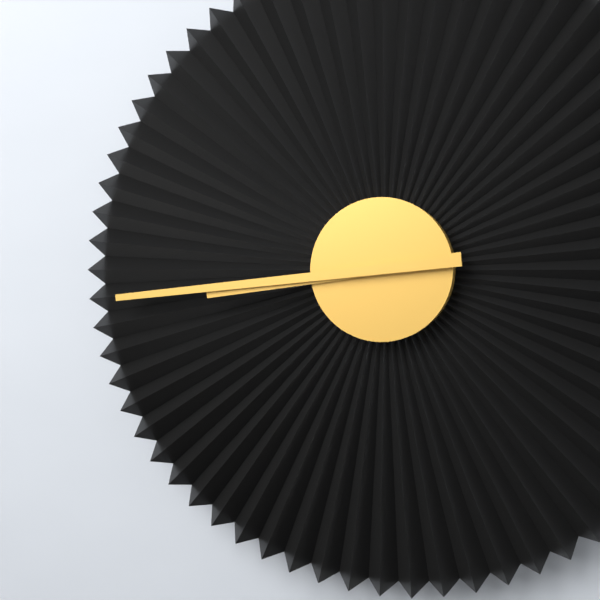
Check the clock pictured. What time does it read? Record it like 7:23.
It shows 8:44
